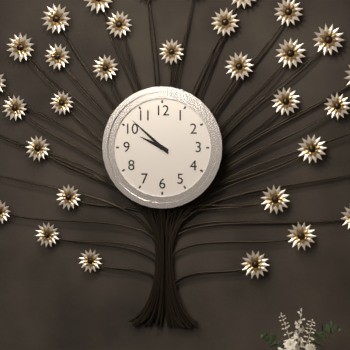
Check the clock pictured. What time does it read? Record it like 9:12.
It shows 9:52
